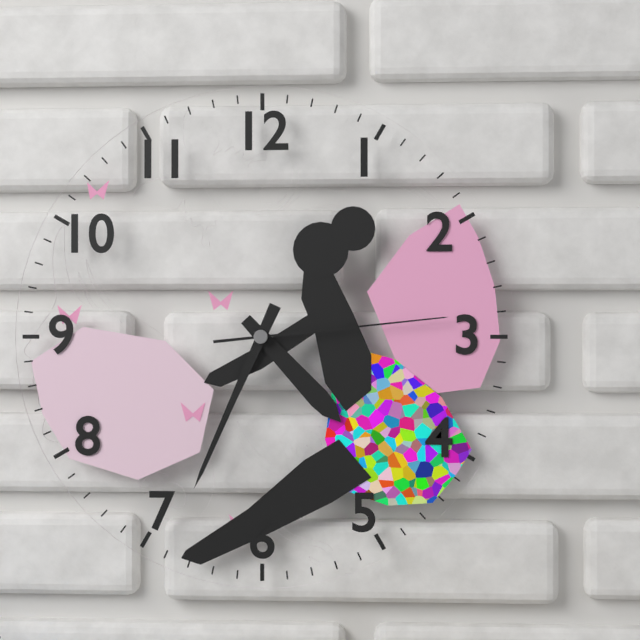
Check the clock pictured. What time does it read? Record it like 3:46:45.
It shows 4:34:14
